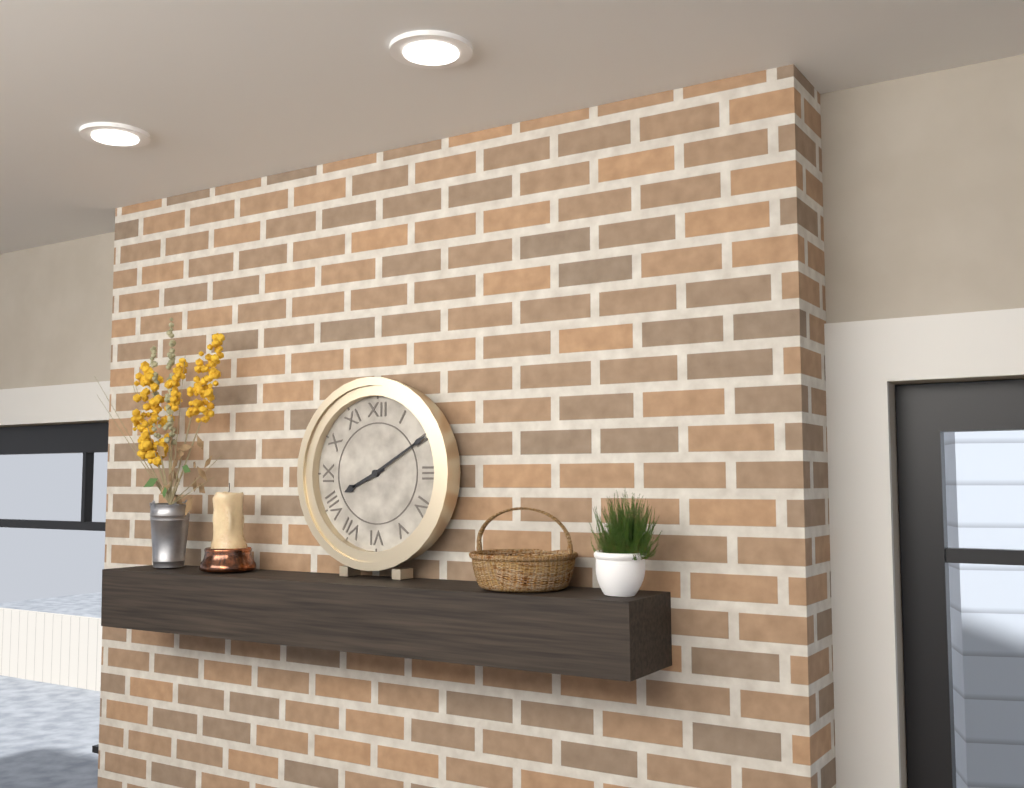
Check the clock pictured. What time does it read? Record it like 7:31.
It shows 8:10
